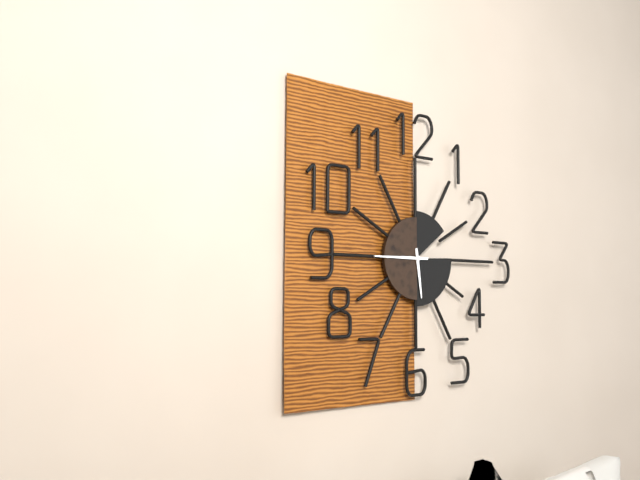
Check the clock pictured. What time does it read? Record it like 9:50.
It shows 5:45
